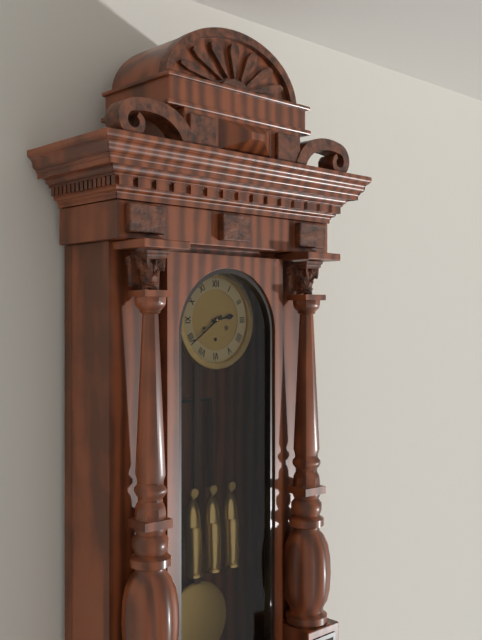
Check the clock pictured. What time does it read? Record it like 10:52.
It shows 2:39
